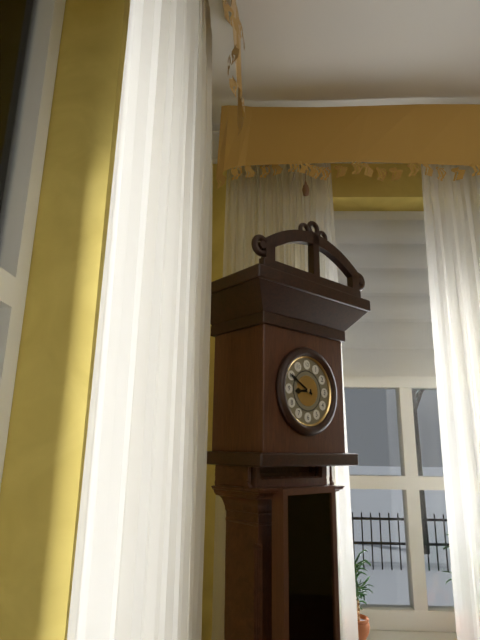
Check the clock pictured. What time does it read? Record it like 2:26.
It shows 8:50
